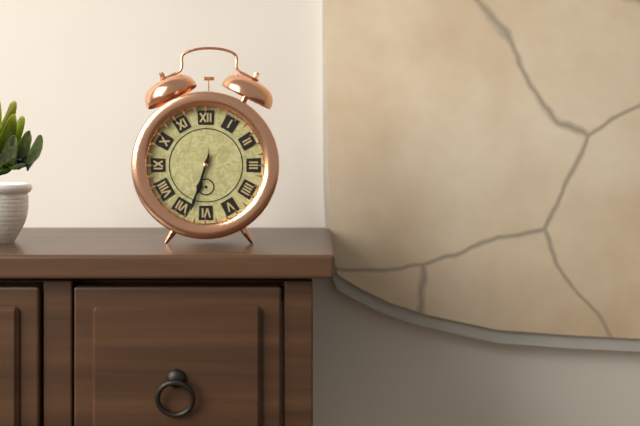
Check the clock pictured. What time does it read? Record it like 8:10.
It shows 6:33
